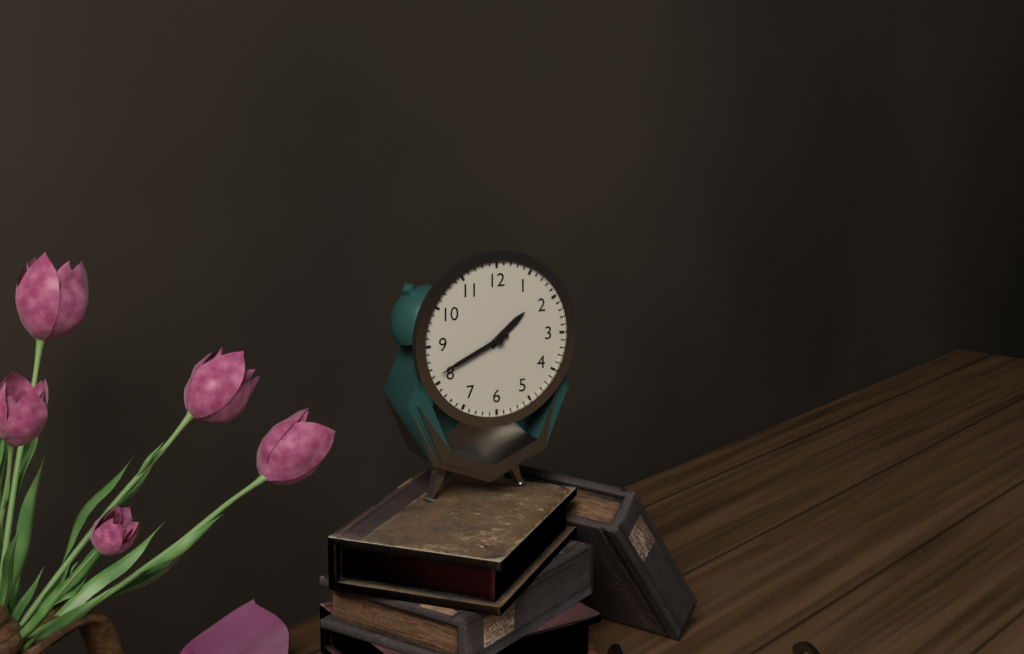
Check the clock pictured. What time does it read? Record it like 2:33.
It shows 1:41
